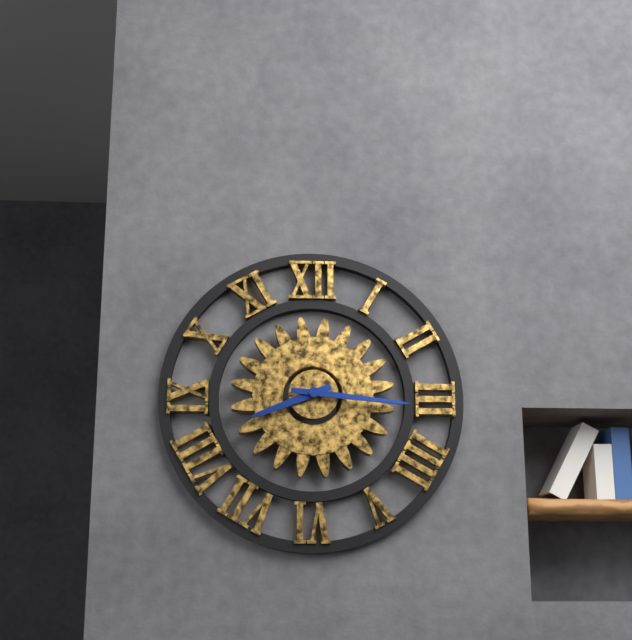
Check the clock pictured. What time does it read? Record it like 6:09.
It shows 8:16
